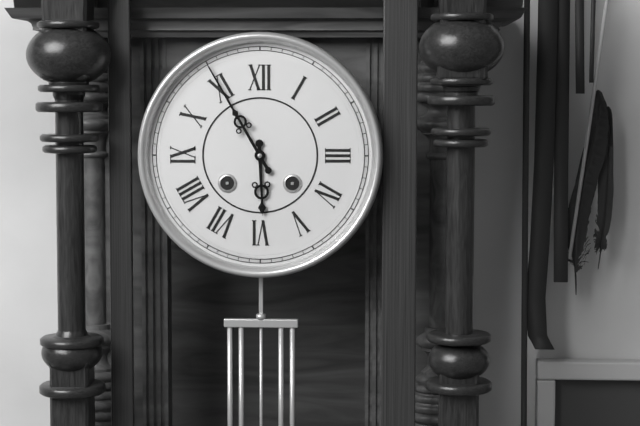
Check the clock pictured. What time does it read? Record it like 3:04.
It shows 5:55
